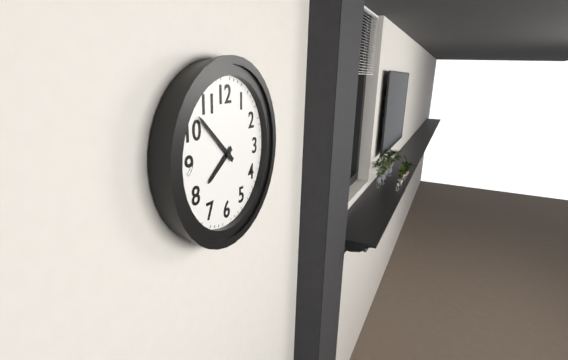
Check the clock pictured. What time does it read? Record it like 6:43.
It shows 7:52
